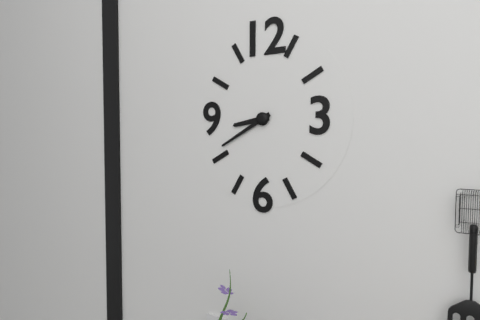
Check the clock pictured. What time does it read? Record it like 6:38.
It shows 8:40
